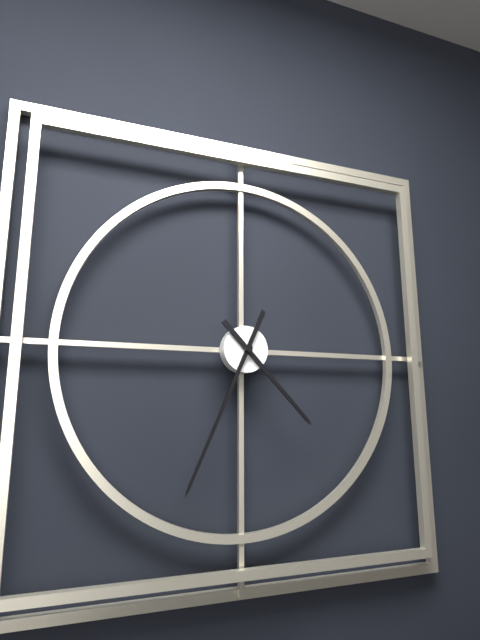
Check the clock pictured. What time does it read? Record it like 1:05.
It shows 4:34
